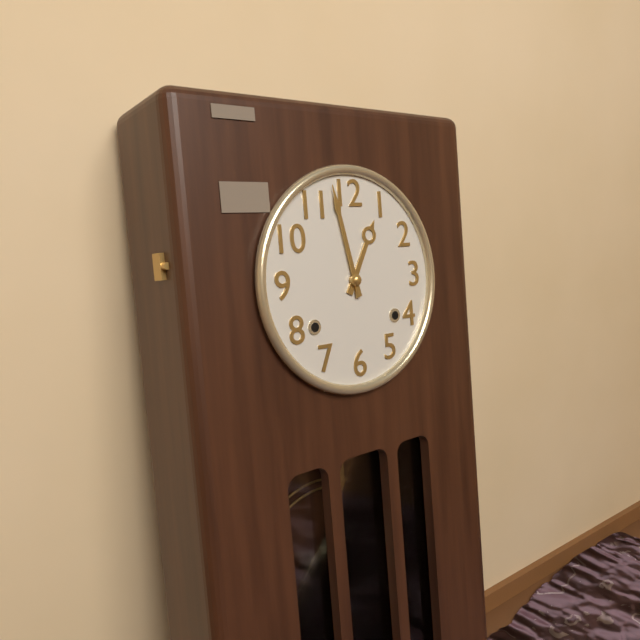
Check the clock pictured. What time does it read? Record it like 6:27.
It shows 12:58
